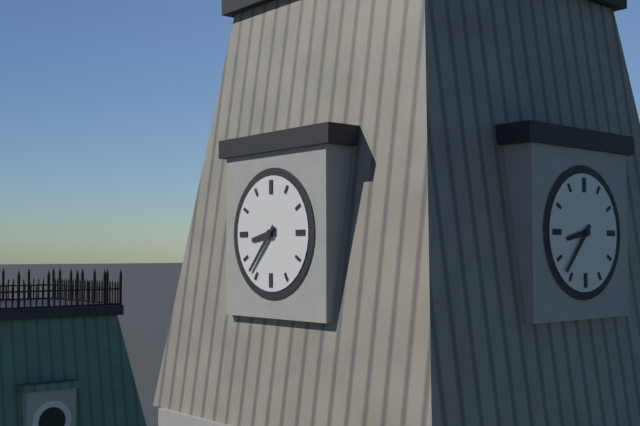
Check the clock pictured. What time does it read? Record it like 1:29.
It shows 8:37
